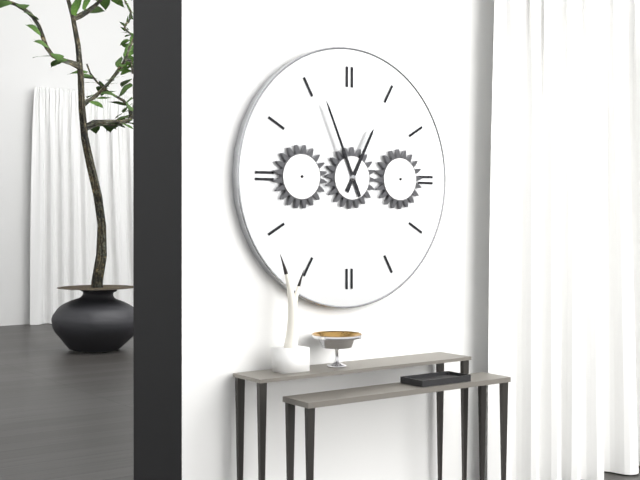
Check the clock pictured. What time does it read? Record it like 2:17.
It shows 12:56
